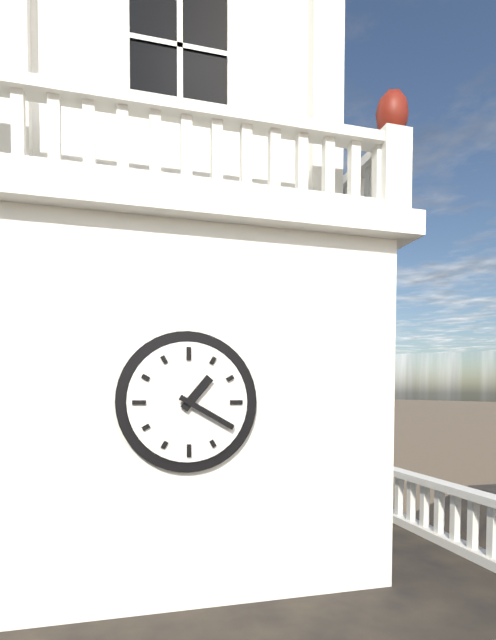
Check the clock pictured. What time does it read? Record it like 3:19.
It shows 1:20
